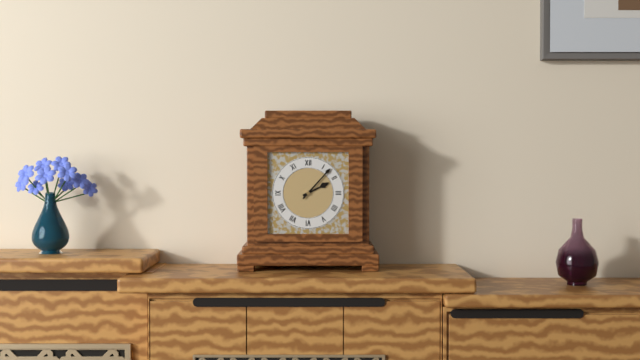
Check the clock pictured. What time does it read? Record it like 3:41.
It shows 2:07
